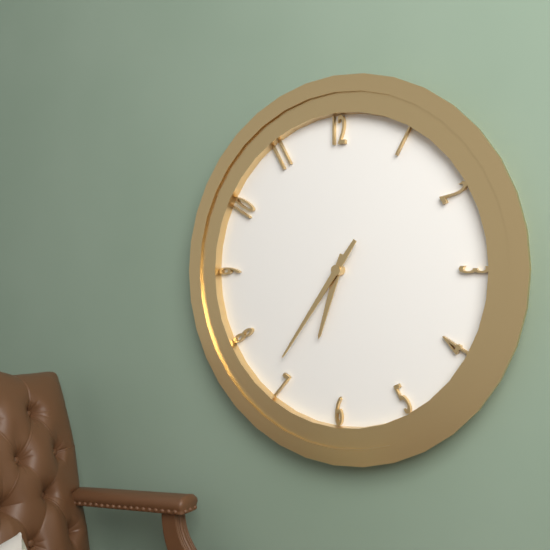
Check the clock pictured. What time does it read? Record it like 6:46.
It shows 6:36
